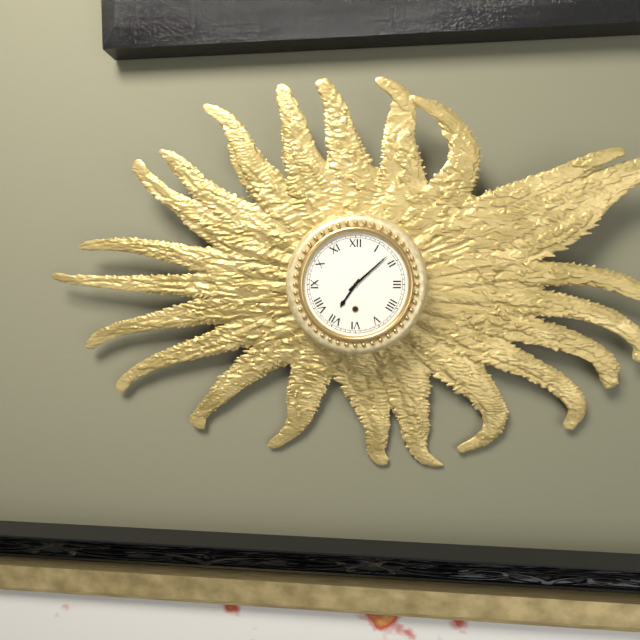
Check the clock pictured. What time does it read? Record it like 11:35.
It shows 7:08
